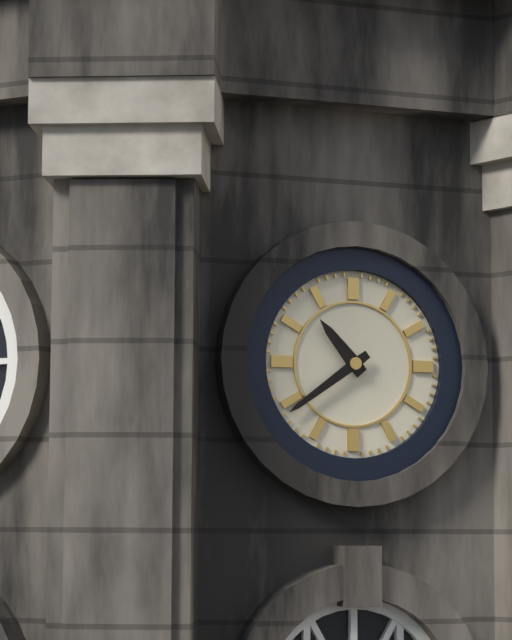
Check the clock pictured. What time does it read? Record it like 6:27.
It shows 10:39
